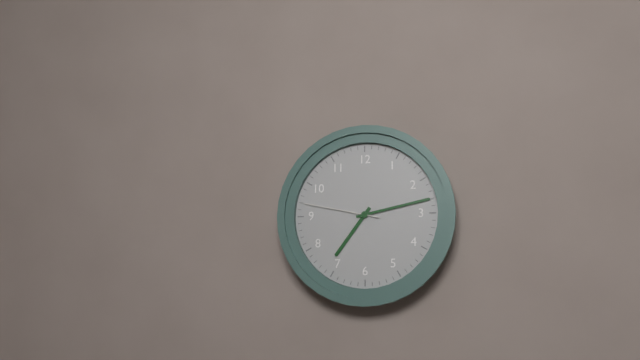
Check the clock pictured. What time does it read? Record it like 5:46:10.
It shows 7:13:47
